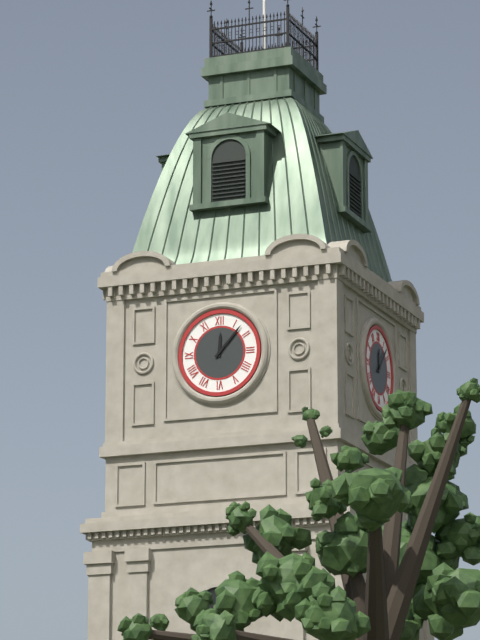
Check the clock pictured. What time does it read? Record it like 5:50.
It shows 12:07
